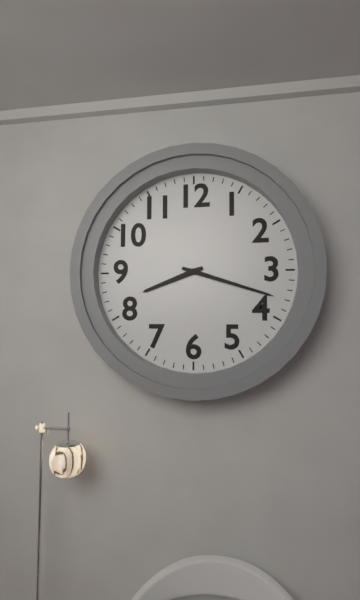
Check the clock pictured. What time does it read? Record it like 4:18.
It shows 8:18
